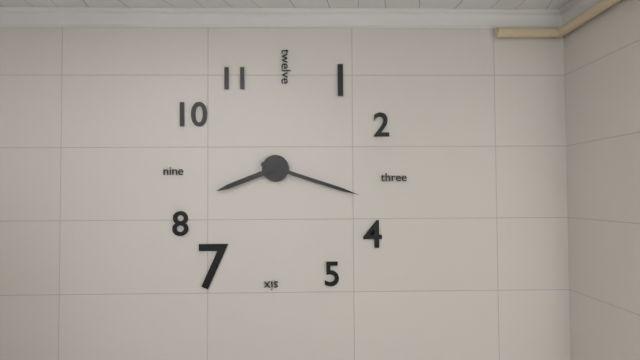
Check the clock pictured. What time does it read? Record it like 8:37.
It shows 8:18
